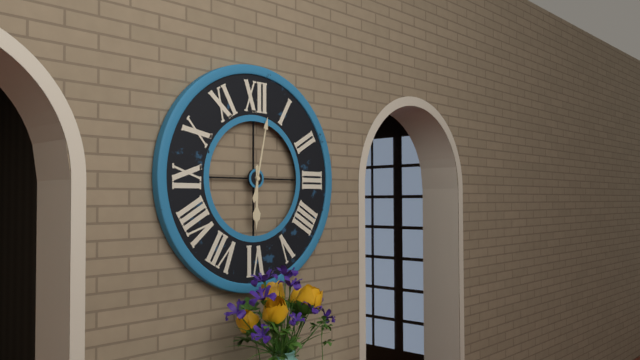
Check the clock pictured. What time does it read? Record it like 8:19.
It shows 6:02
